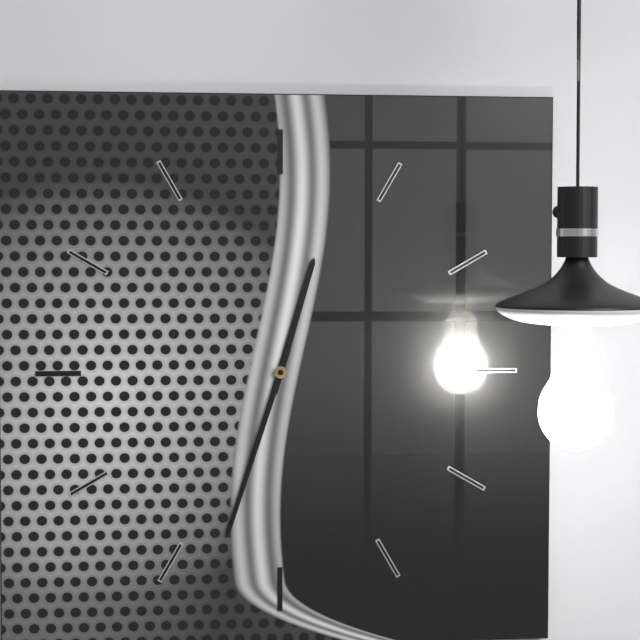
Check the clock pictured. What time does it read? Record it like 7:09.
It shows 12:33
